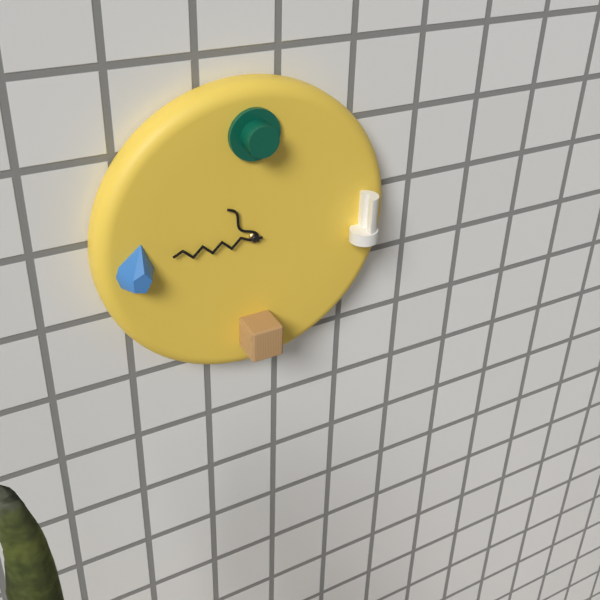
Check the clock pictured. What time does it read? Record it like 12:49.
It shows 10:45
